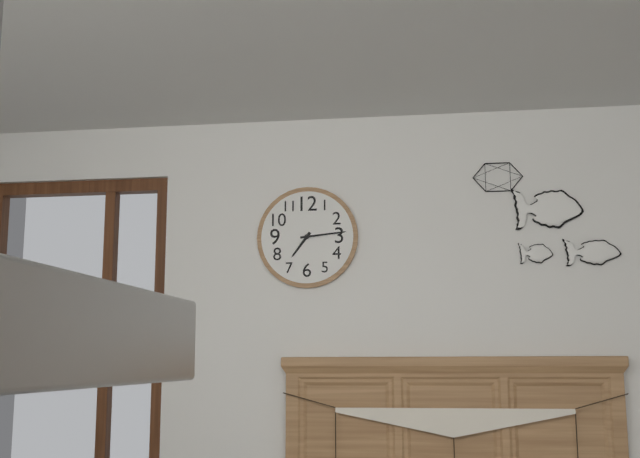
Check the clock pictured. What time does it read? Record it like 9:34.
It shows 7:14
